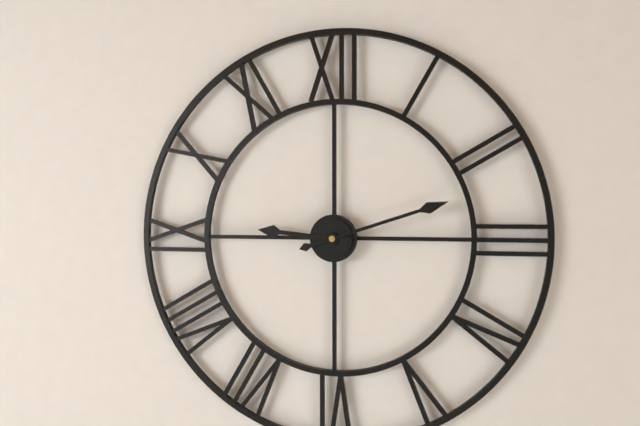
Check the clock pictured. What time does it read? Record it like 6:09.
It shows 9:12
